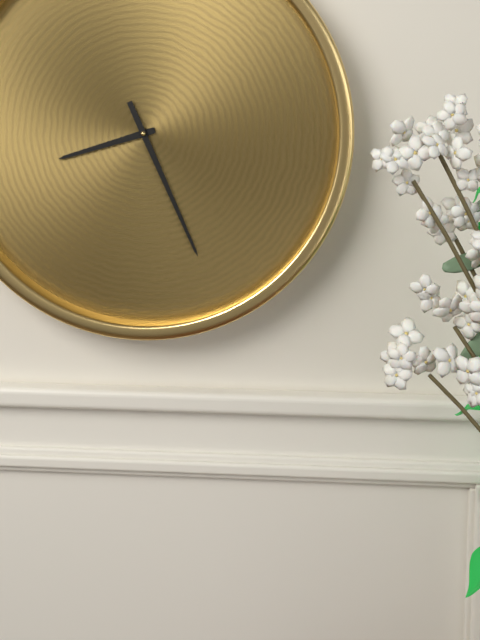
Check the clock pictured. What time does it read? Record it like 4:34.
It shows 8:26
